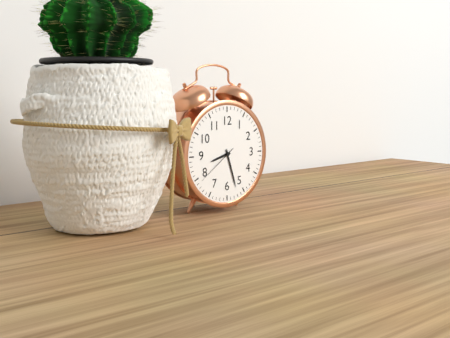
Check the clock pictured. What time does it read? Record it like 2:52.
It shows 8:27
